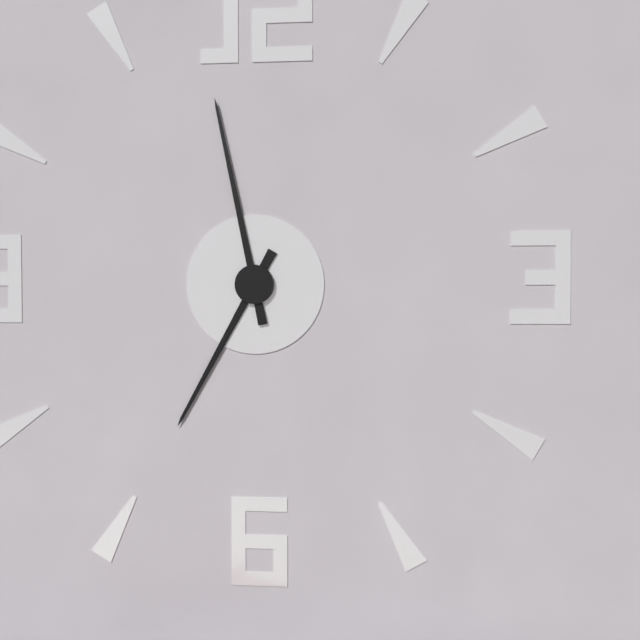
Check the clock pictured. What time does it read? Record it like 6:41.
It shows 6:58
